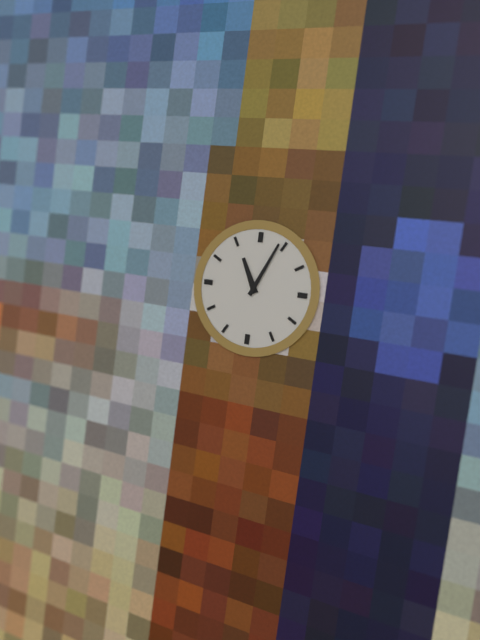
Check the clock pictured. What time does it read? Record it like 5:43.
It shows 11:04
